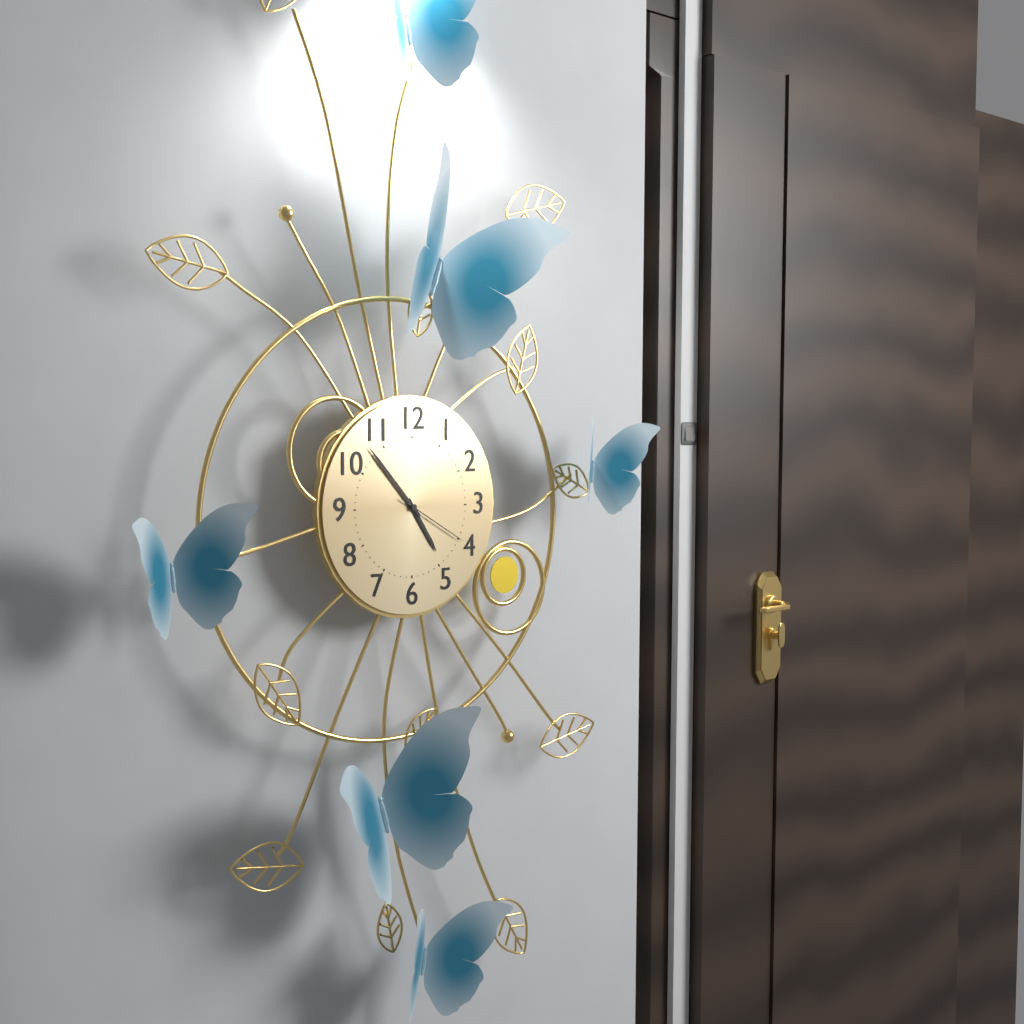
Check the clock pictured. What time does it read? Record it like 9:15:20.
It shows 4:53:20
